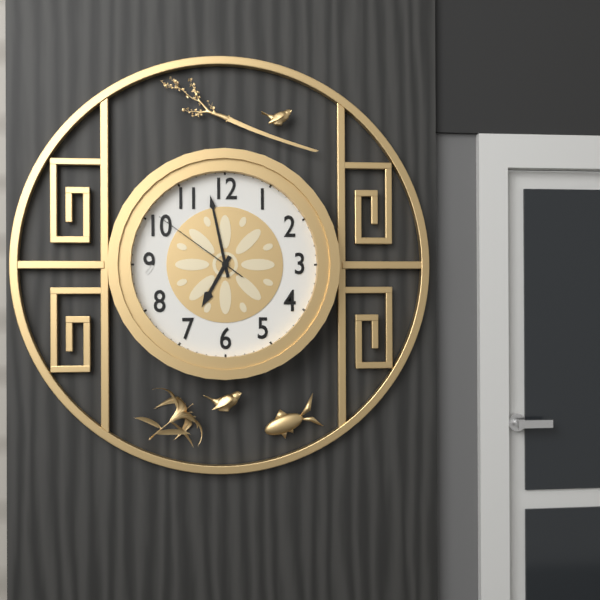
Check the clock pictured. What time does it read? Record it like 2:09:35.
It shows 6:58:51
